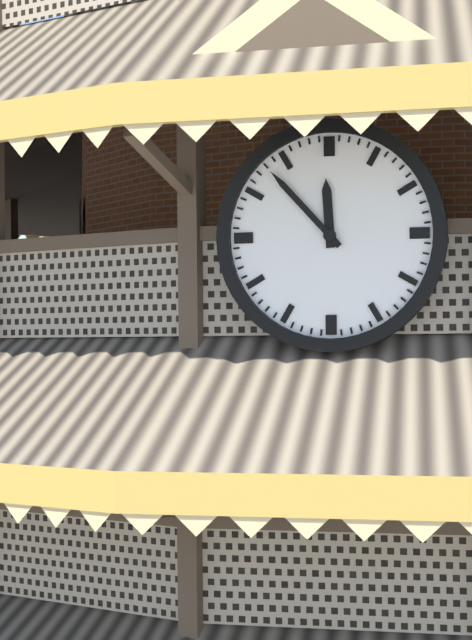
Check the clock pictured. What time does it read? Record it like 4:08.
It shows 11:53
